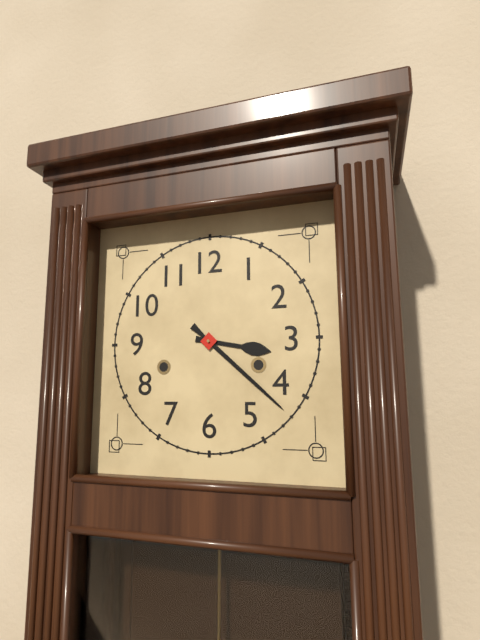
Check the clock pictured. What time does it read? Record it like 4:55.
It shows 3:22
